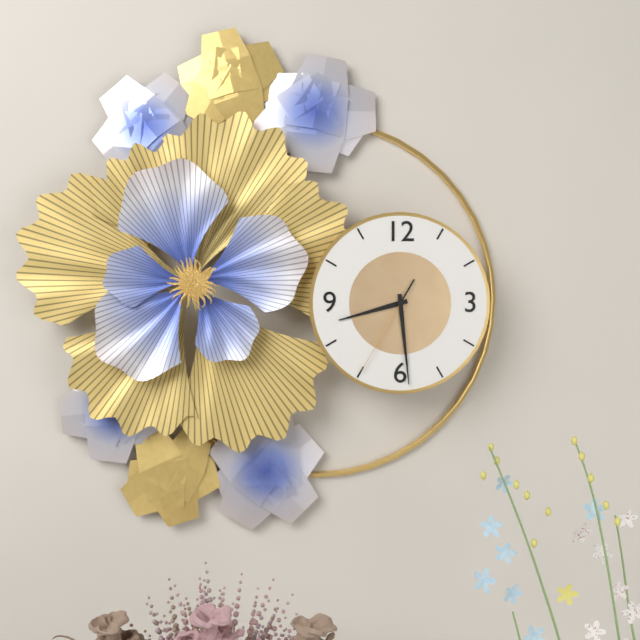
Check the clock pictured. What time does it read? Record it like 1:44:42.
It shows 8:29:35
